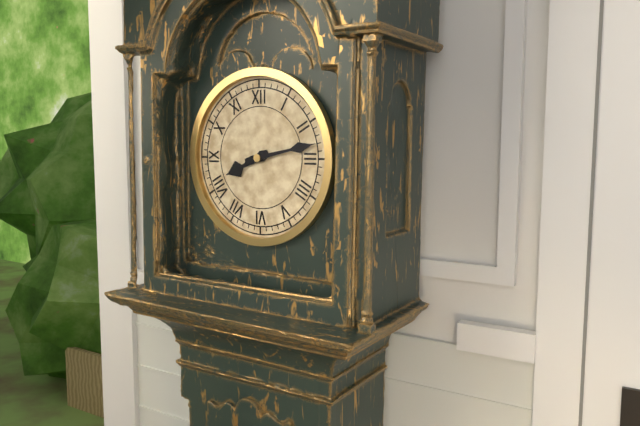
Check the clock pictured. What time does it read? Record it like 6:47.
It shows 8:13
